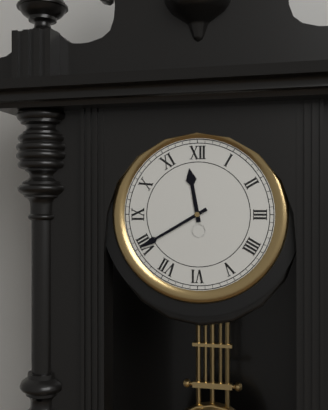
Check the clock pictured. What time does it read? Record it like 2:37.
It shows 11:40
